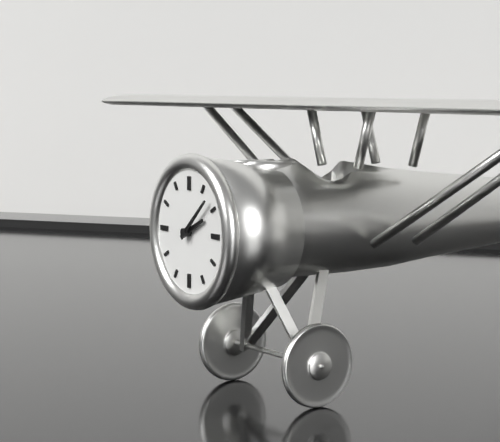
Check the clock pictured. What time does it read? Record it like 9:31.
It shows 2:08
